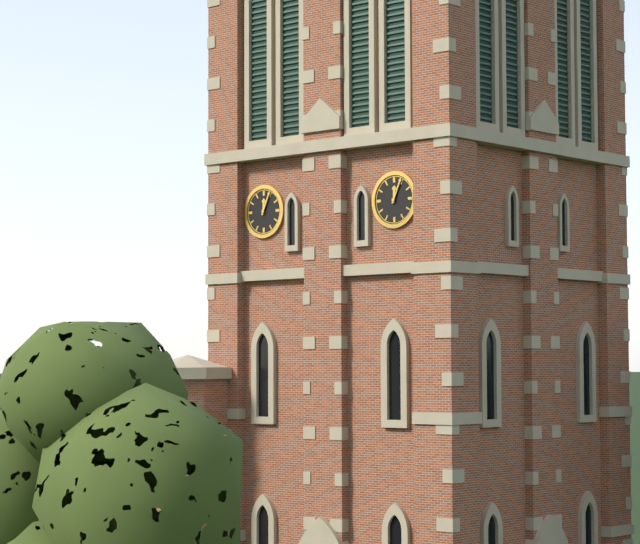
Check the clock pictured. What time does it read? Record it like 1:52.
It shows 12:04
